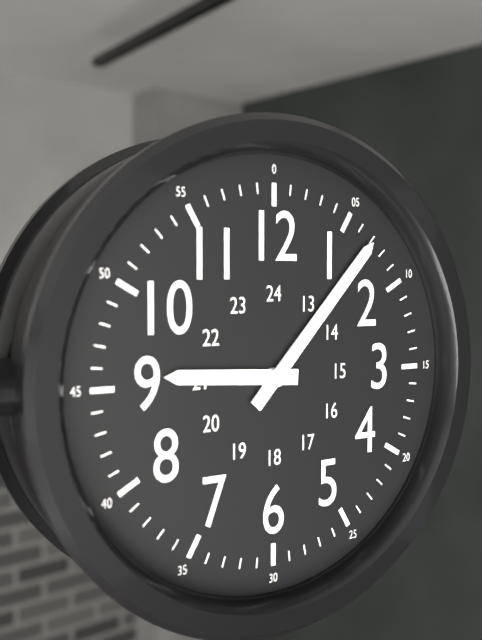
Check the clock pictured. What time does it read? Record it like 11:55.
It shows 9:07
